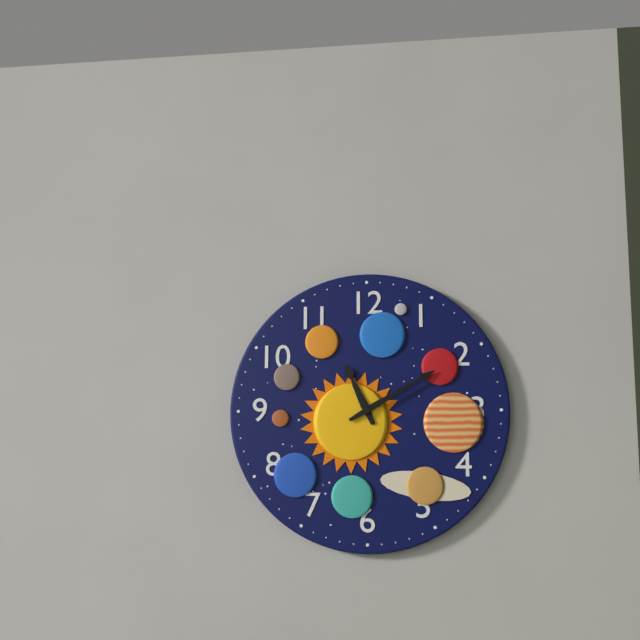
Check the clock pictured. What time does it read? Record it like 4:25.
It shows 11:10
